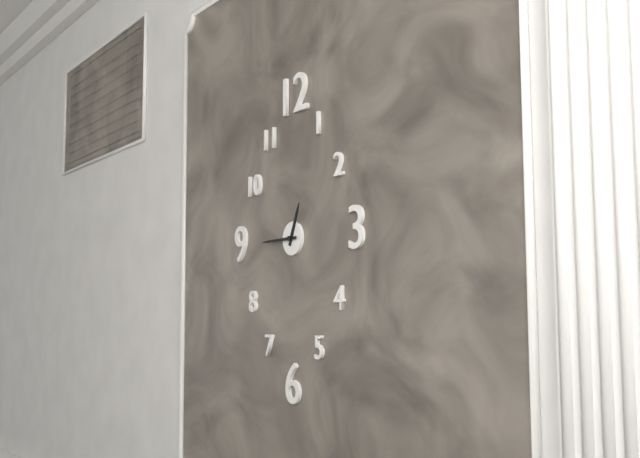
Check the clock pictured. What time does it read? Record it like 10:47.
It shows 12:45
